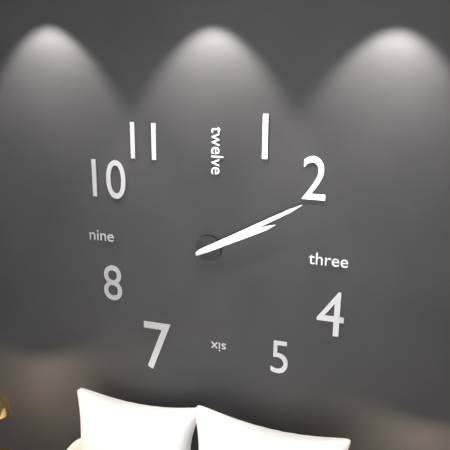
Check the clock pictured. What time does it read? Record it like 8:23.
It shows 2:10
